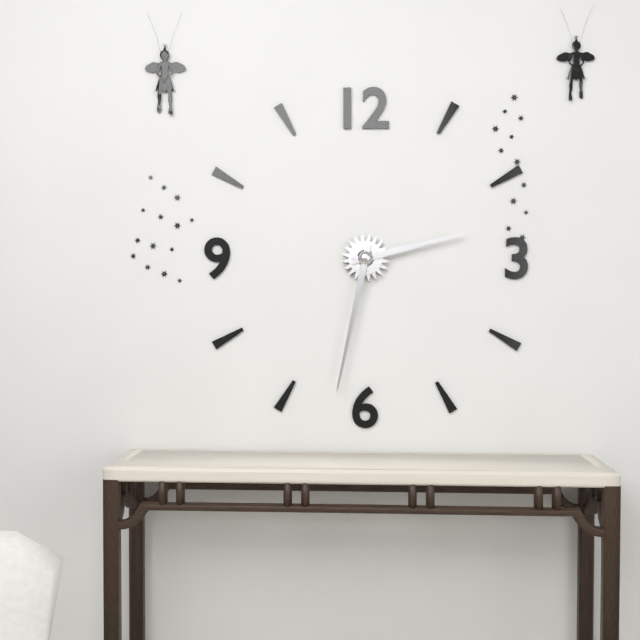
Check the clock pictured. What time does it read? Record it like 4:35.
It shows 2:32
